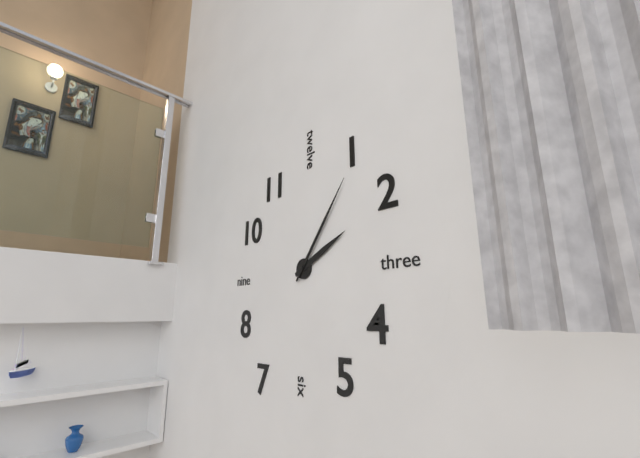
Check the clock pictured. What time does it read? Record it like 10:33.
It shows 2:06
